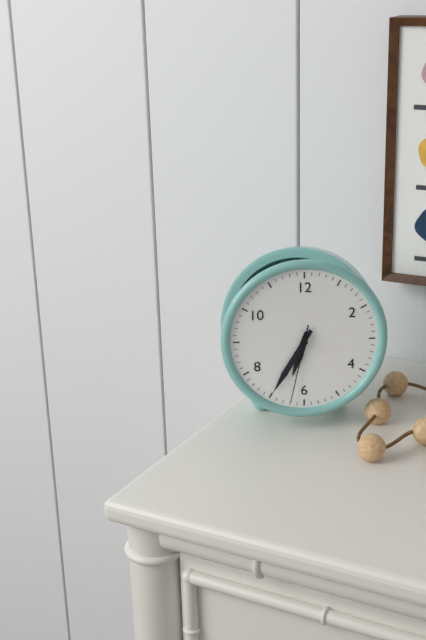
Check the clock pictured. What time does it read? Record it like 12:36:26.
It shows 6:35:32
